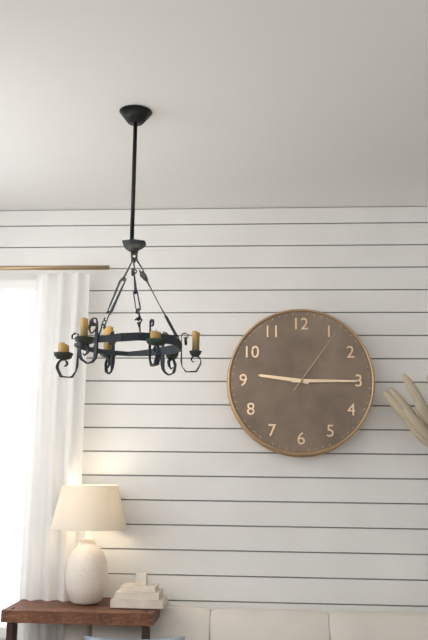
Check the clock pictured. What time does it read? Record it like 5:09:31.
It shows 9:15:06
